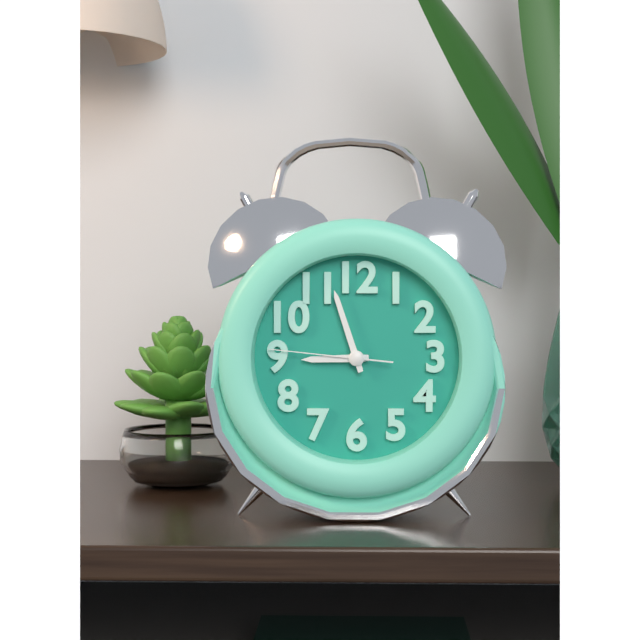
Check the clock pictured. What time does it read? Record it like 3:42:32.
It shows 8:57:46
